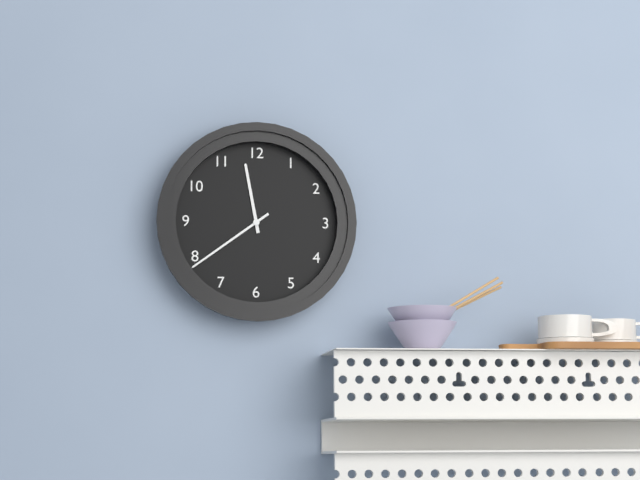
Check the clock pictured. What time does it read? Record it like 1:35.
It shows 11:39
